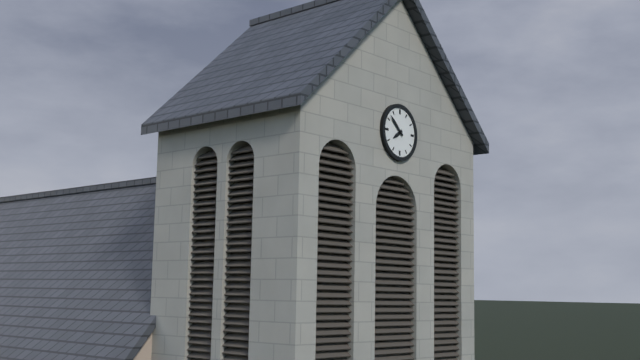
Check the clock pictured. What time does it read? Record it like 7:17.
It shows 7:52
